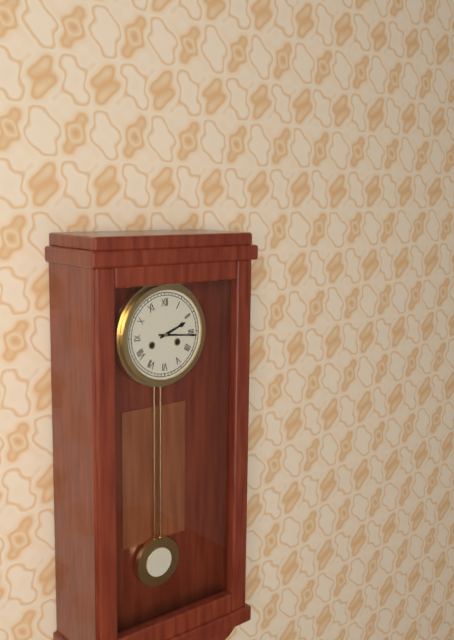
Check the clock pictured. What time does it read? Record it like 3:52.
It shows 2:16
